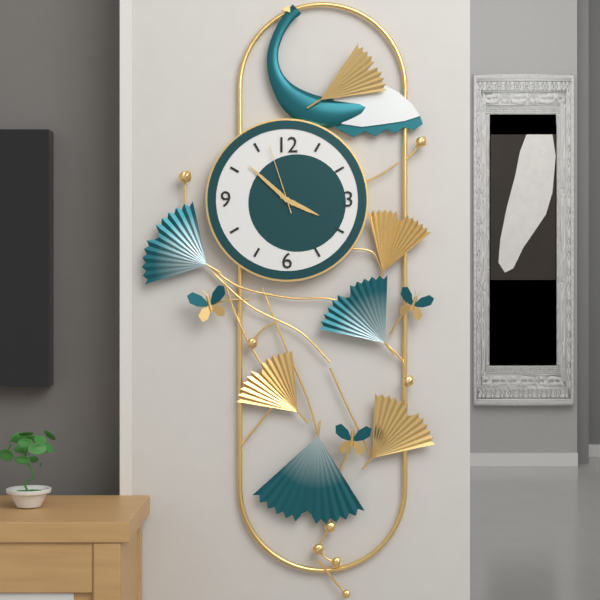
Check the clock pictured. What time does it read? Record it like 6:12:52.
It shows 3:52:57
